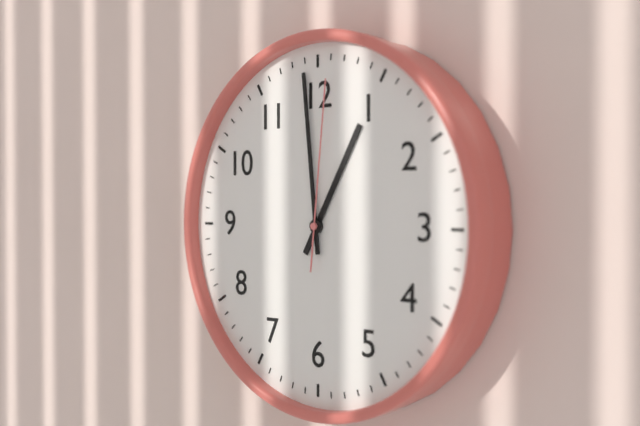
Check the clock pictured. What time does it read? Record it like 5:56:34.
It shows 12:59:01
